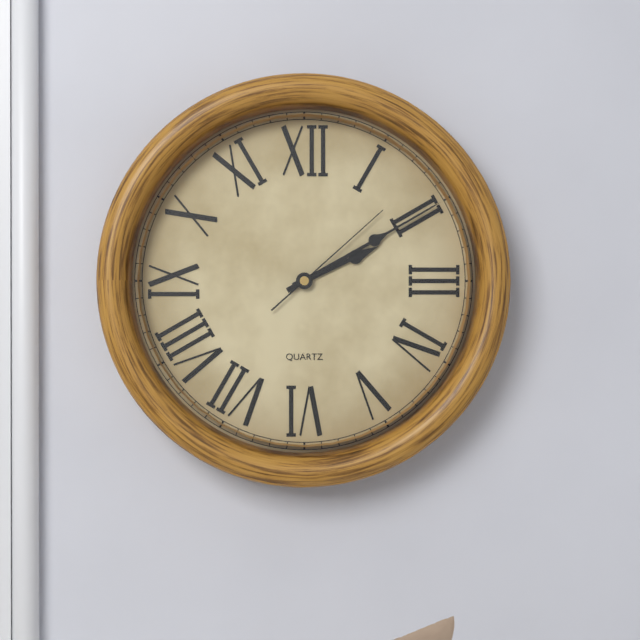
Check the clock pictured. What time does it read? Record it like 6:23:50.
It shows 2:10:08
